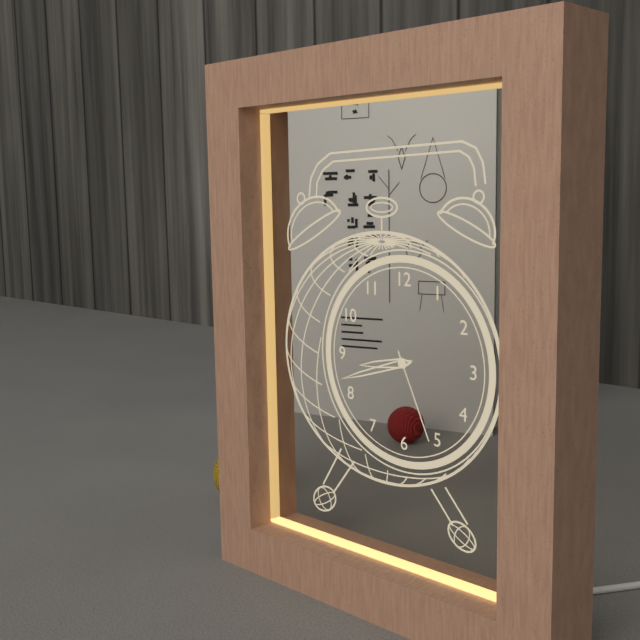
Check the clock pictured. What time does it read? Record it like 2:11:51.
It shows 8:42:26
